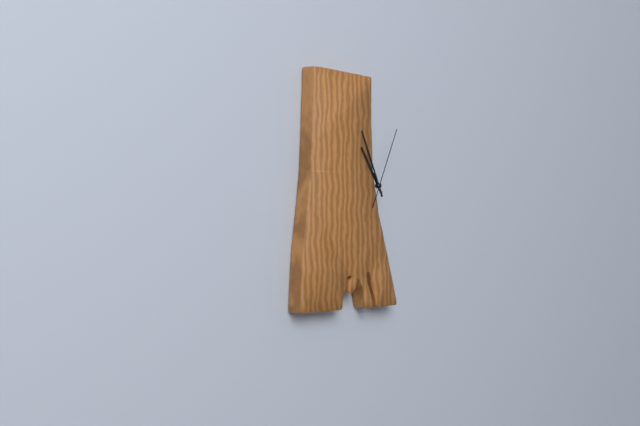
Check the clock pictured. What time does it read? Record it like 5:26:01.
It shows 10:56:04
